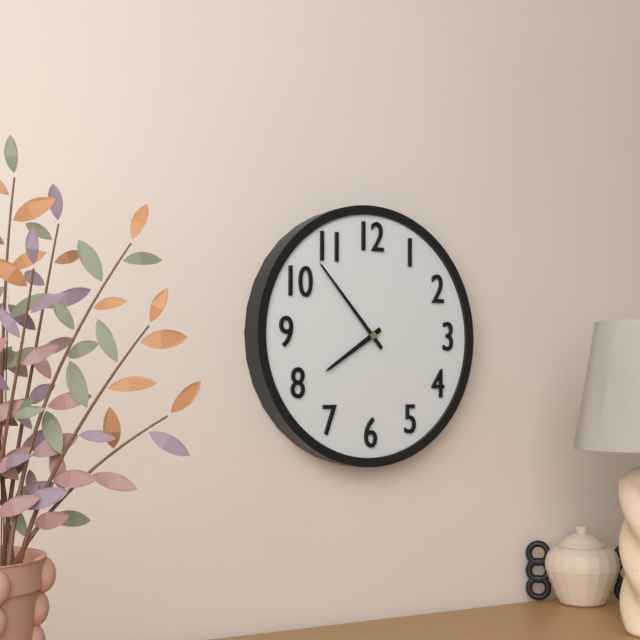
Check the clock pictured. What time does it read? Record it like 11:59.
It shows 7:53
